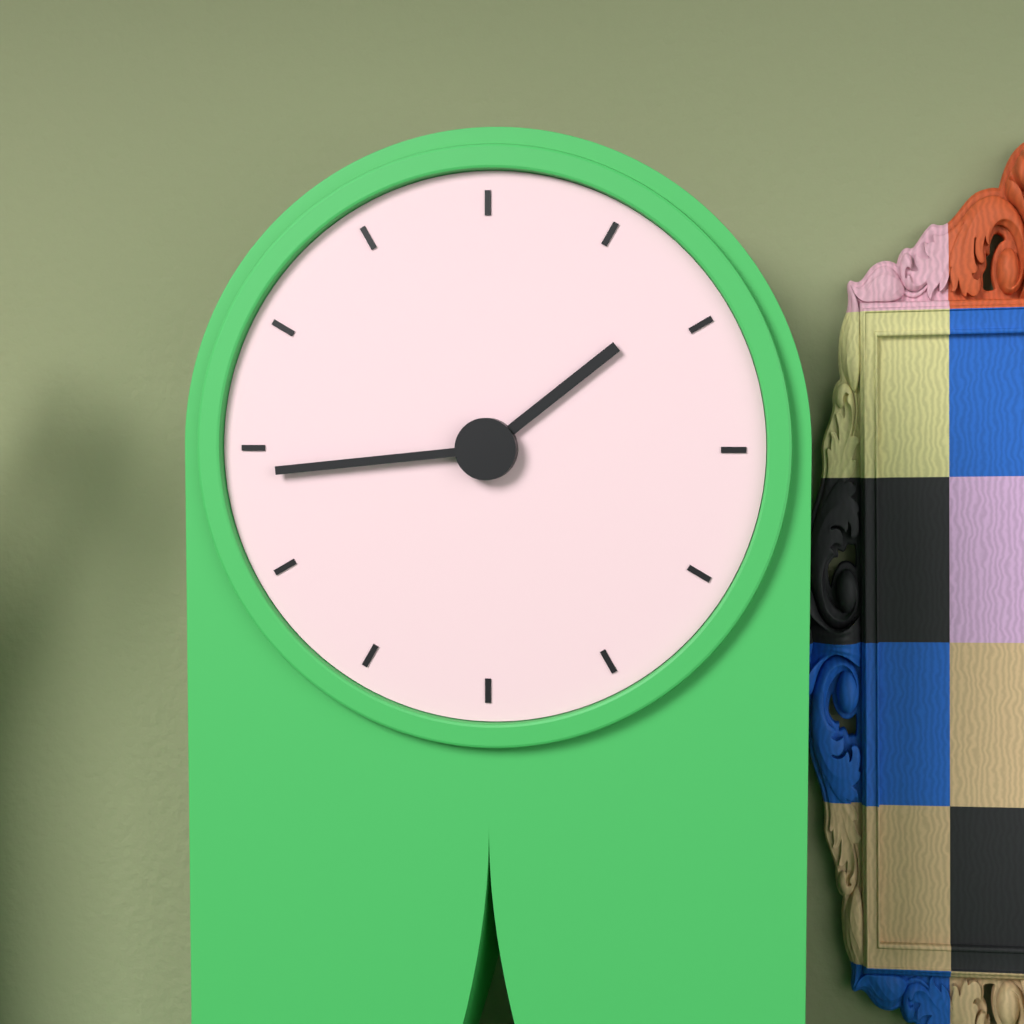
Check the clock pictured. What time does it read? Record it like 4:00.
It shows 1:44
